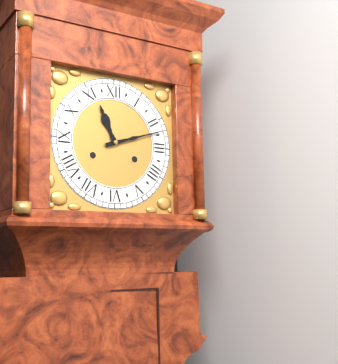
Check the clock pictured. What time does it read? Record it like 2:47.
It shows 11:12
